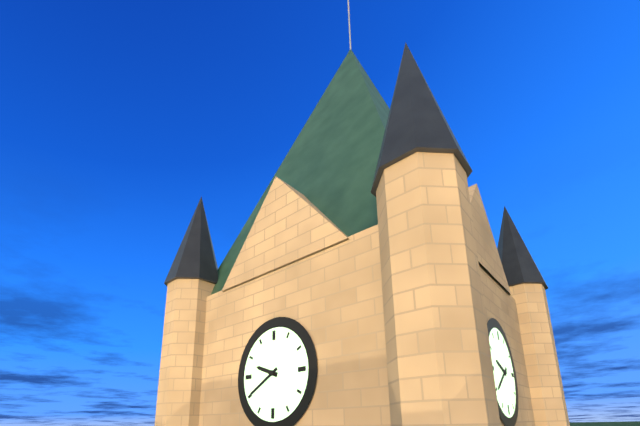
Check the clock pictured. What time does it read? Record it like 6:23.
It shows 9:40
